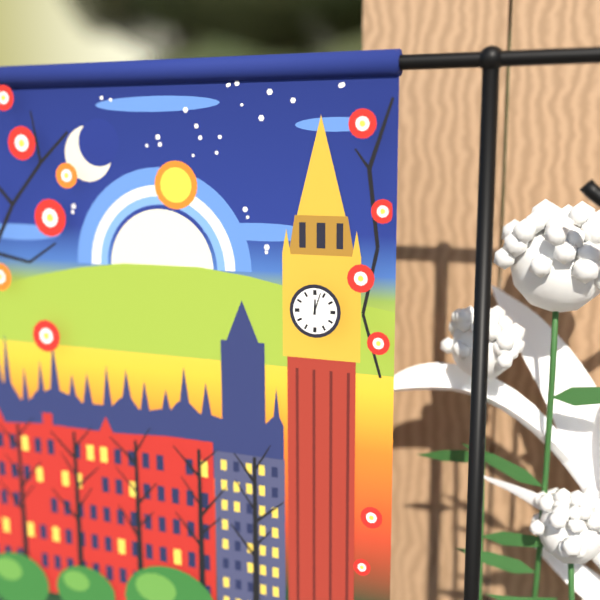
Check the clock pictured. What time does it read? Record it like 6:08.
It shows 12:03
